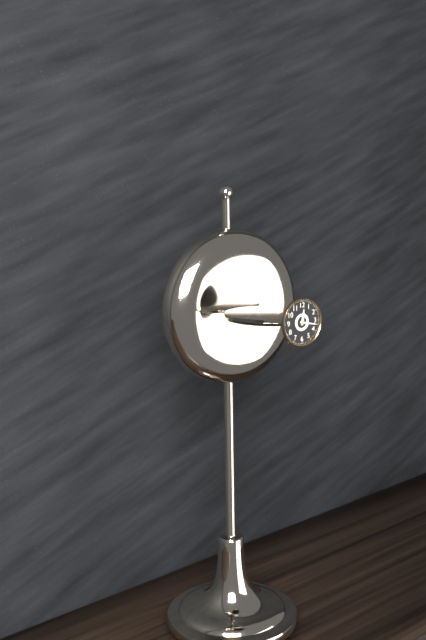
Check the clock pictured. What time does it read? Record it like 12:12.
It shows 12:17
